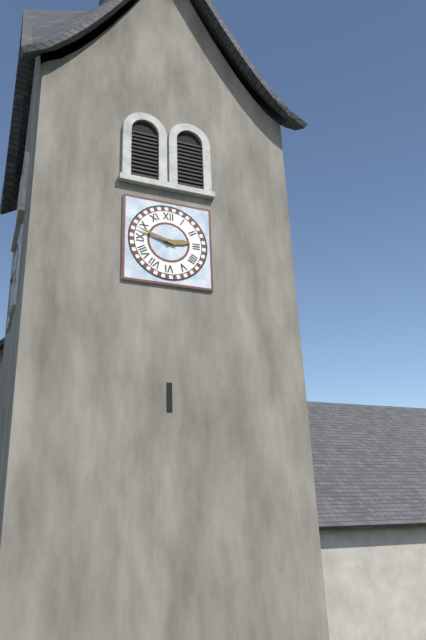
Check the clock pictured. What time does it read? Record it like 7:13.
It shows 2:48
